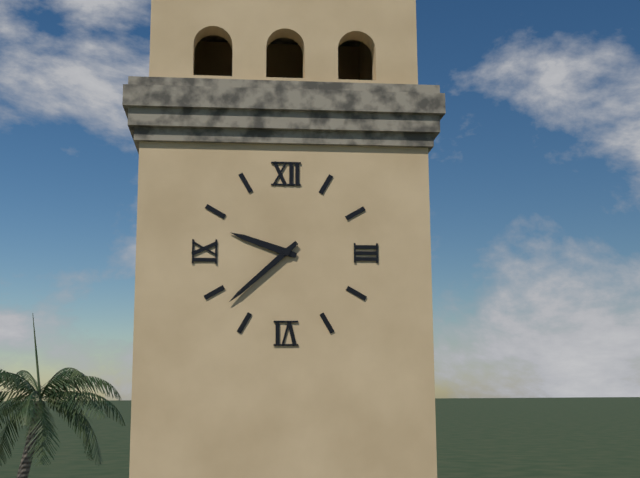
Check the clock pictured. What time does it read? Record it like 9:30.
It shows 9:38
